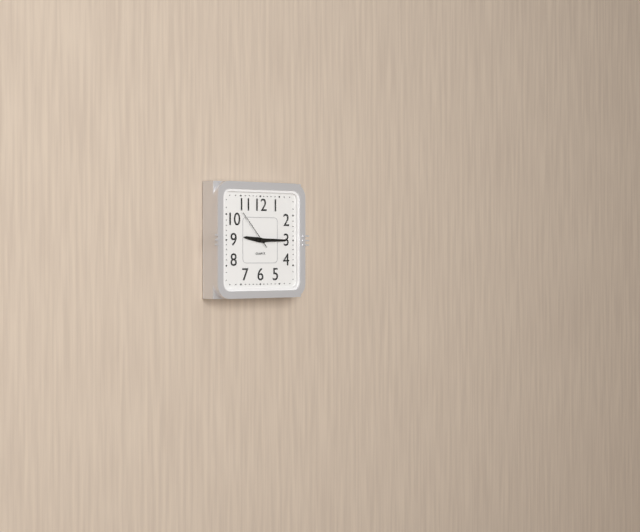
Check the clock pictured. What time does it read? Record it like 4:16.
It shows 9:15
